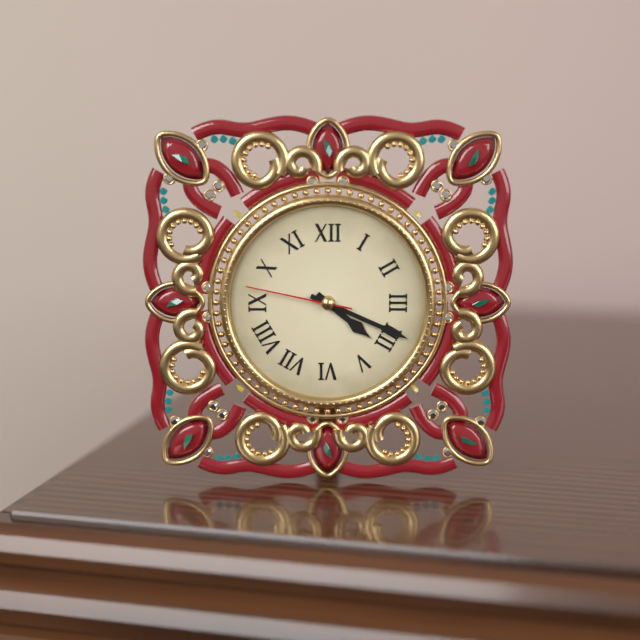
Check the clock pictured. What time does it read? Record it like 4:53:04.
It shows 4:19:47
